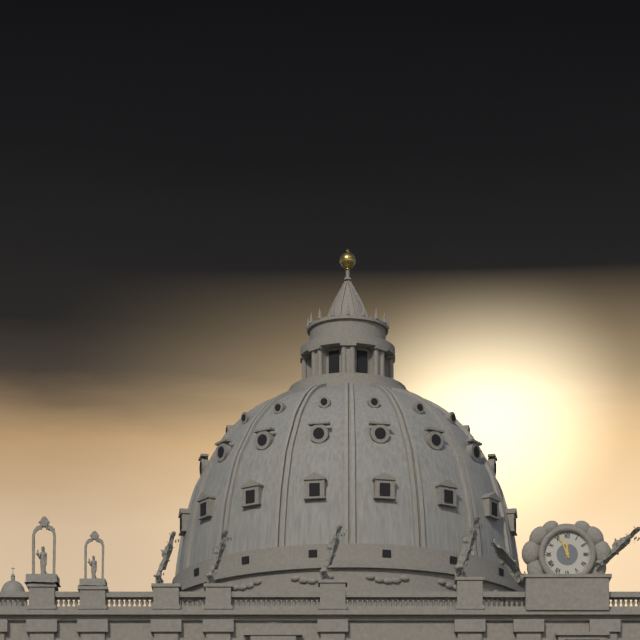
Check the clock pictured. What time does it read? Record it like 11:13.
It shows 11:56
